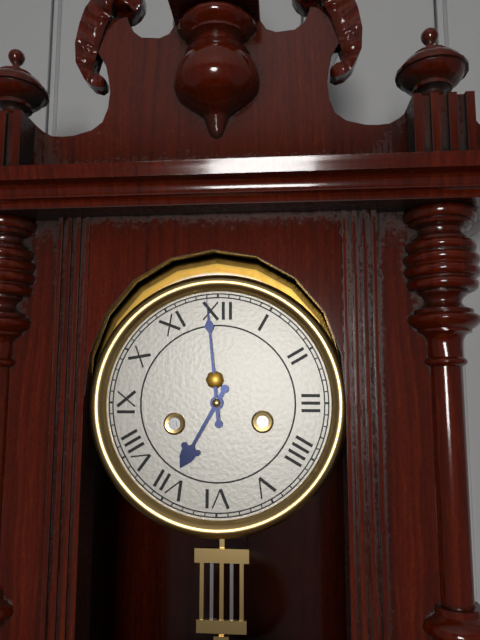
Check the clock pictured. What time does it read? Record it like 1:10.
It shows 6:59
